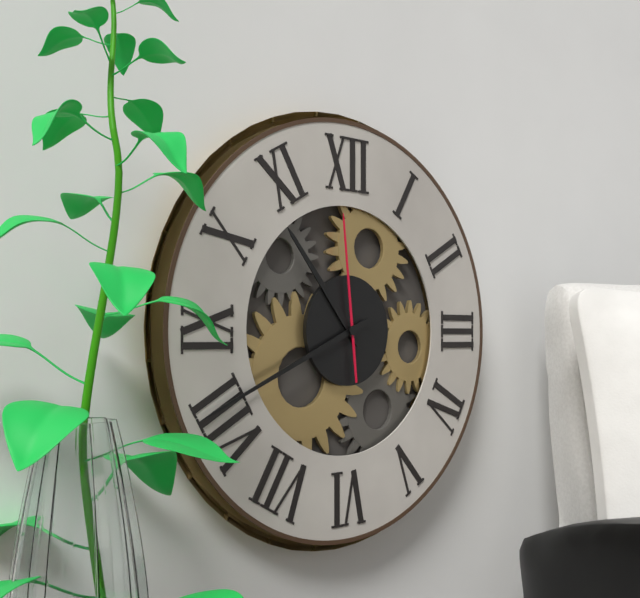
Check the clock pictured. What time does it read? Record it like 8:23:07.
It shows 10:41:59
